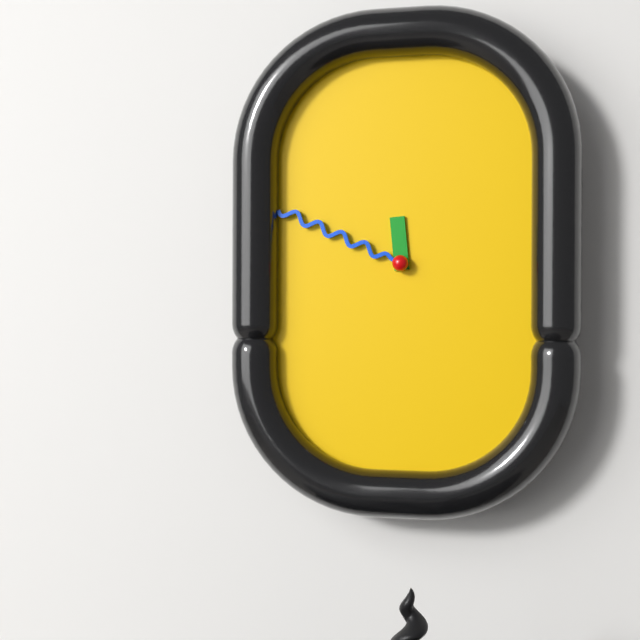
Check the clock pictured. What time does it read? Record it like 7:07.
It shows 11:49
